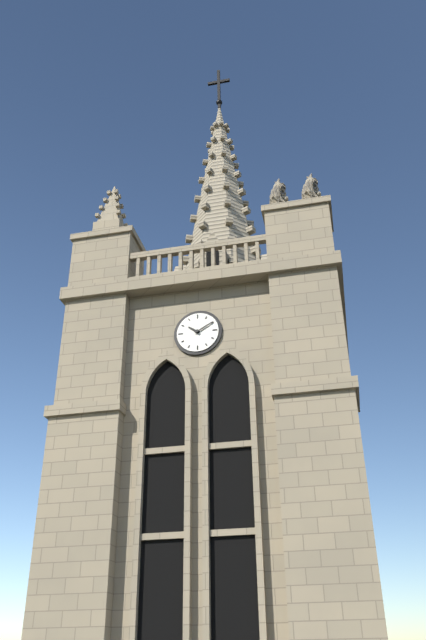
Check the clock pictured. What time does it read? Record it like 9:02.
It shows 10:10
